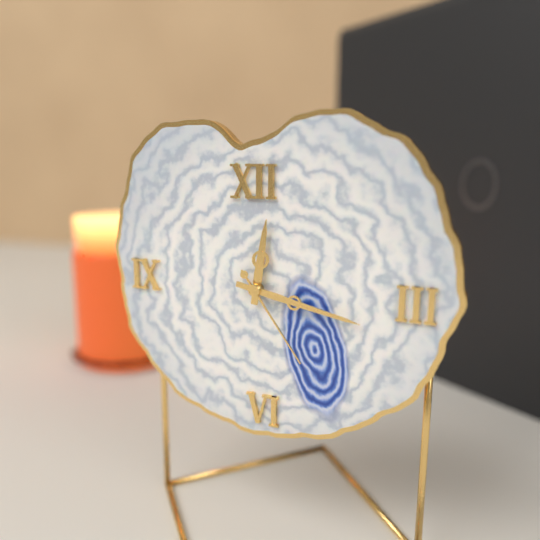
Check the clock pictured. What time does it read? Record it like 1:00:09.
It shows 12:17:24
